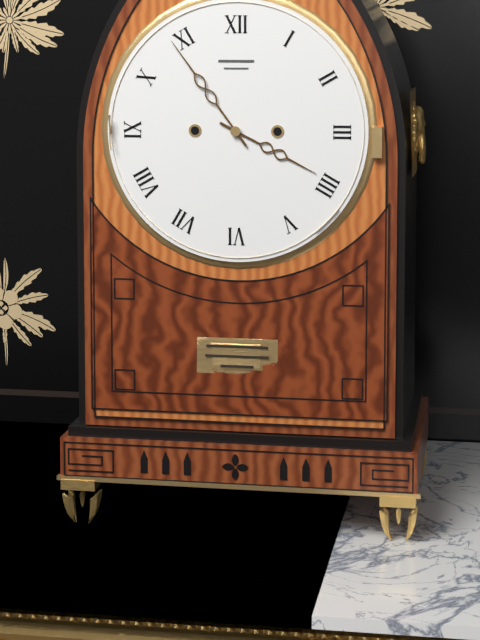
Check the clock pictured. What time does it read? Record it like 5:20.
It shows 3:54
